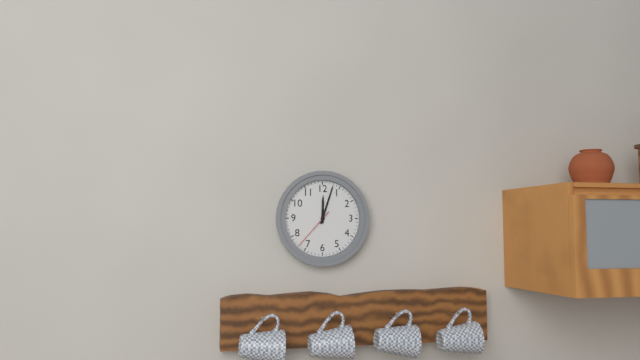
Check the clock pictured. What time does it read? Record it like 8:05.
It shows 12:03
